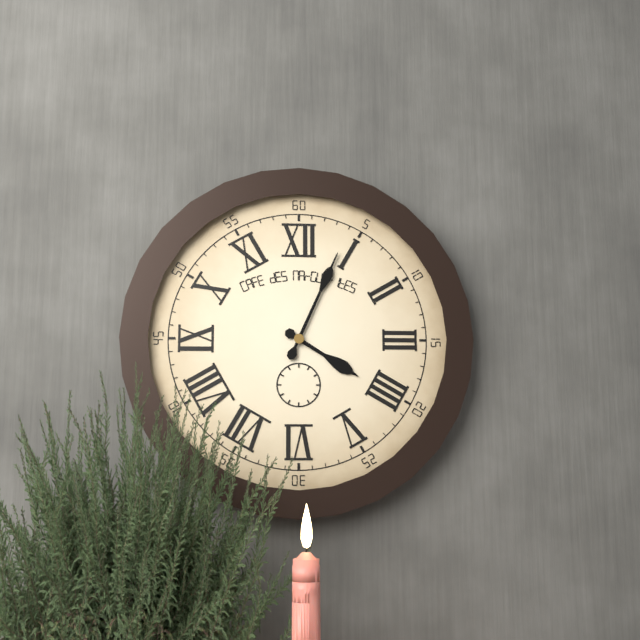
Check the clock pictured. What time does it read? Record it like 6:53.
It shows 4:04
